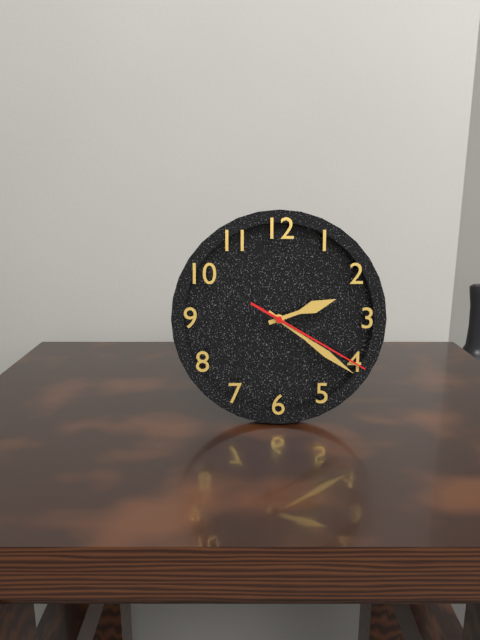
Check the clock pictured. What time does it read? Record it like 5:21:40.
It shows 2:21:20
